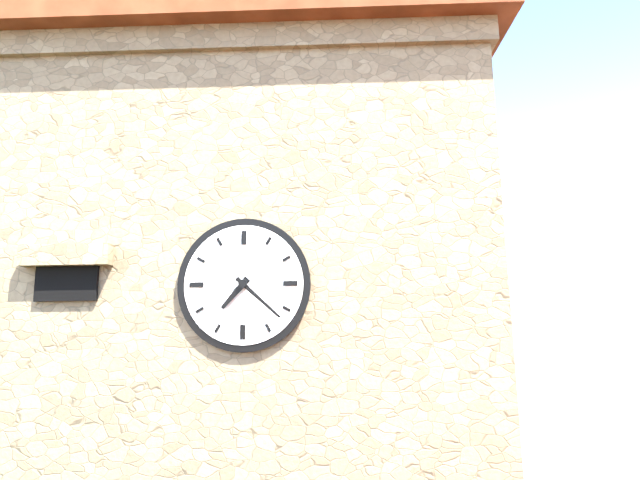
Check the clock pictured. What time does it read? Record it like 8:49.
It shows 7:22
